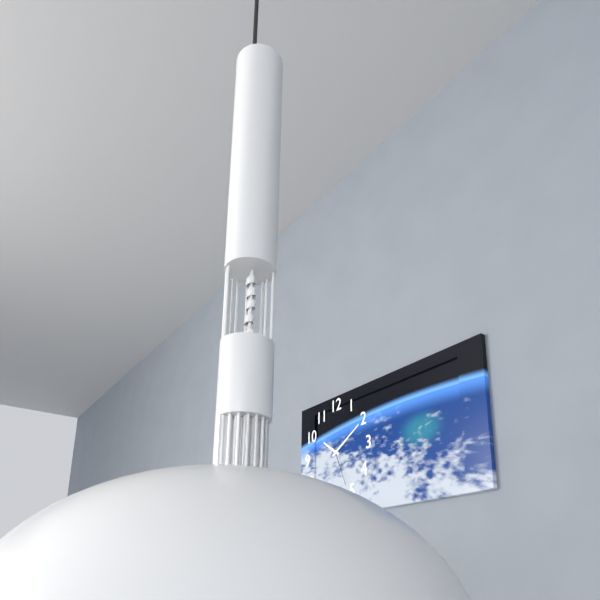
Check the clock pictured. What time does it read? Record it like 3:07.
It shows 10:10
